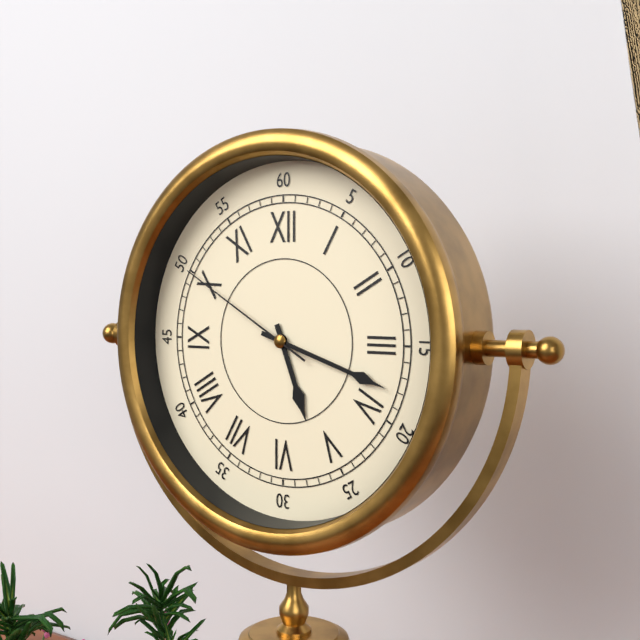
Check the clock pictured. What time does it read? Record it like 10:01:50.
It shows 5:18:50
